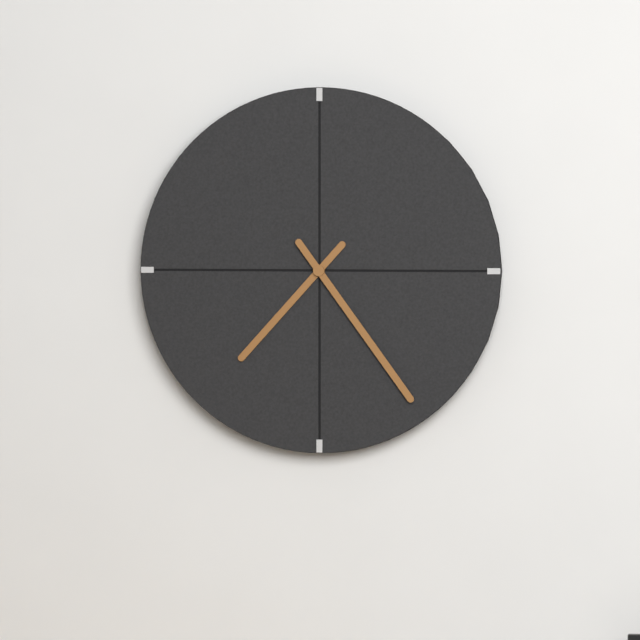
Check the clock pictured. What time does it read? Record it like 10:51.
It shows 7:24
